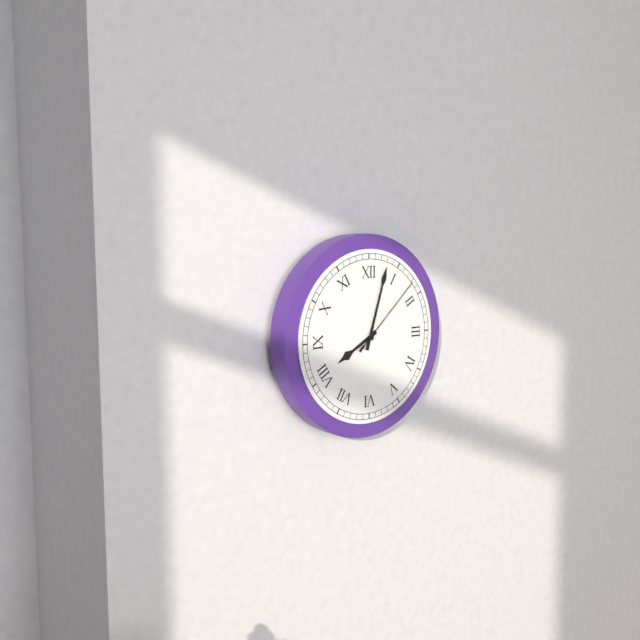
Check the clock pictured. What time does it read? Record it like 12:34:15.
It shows 8:03:08
